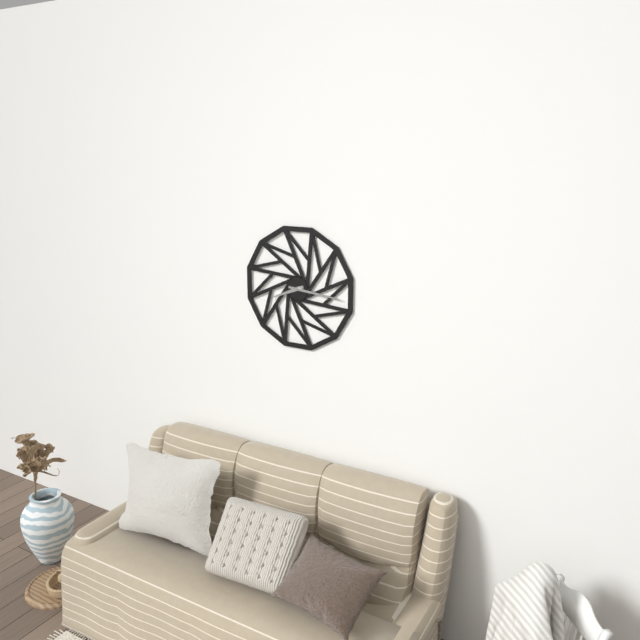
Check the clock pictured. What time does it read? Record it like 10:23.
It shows 8:16
